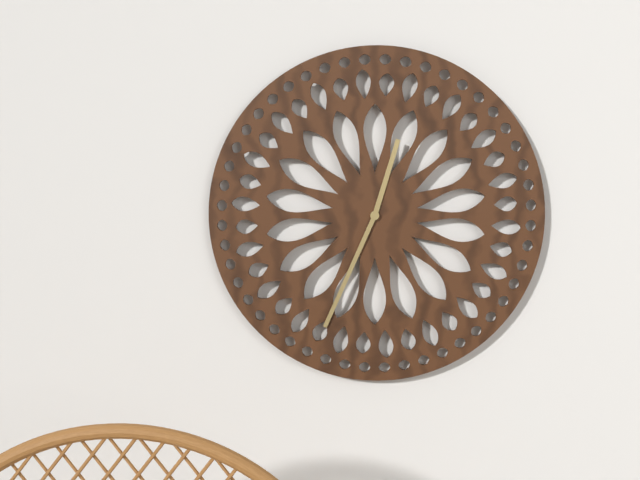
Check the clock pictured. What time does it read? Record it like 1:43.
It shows 12:34
